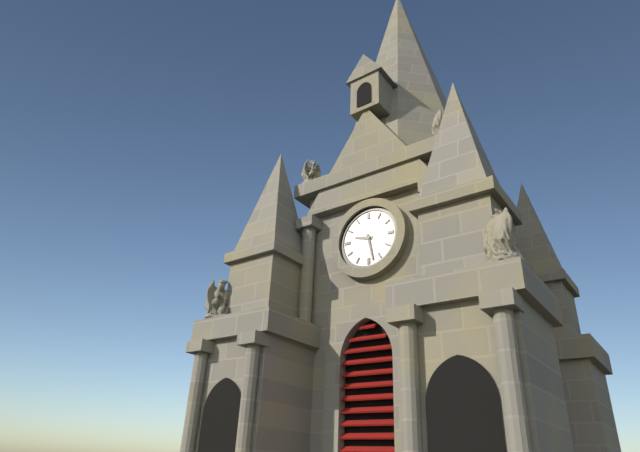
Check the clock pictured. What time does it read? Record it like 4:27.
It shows 9:28
